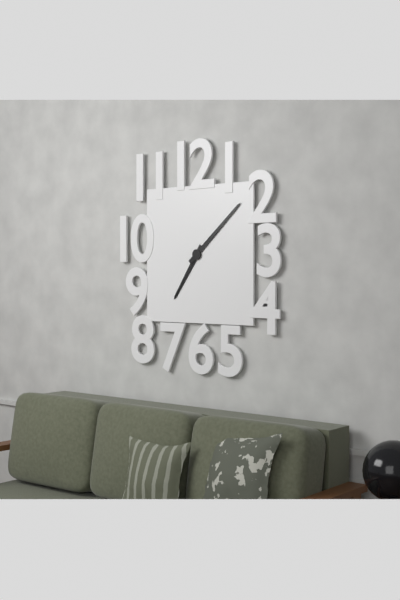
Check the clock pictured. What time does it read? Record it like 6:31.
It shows 7:08
